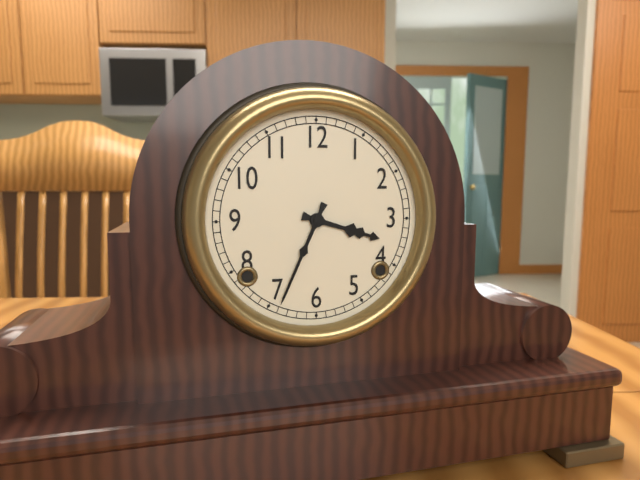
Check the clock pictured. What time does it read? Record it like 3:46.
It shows 3:34
